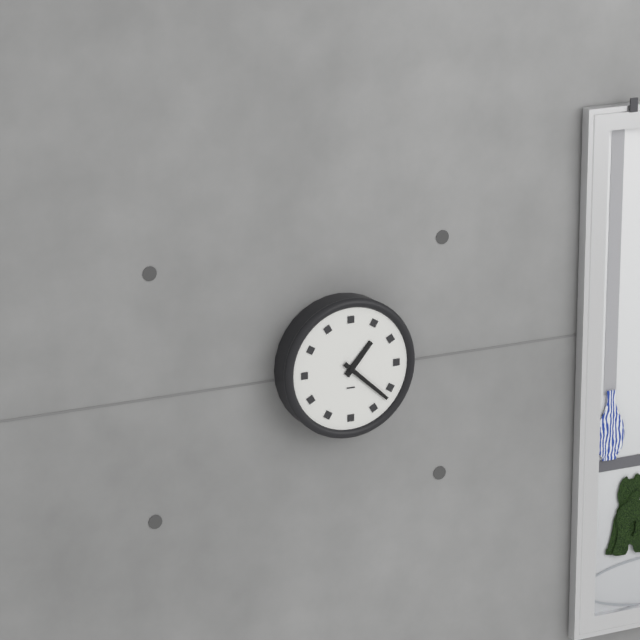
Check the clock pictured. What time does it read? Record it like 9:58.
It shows 1:22
